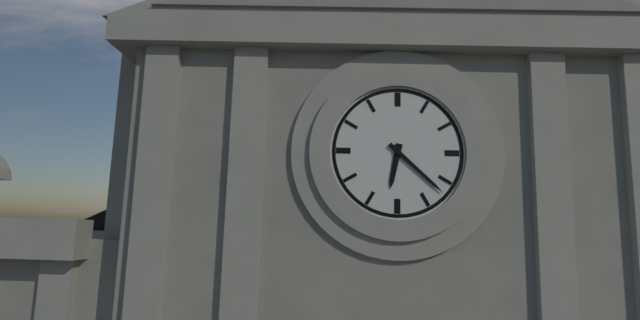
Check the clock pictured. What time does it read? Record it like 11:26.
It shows 6:22
